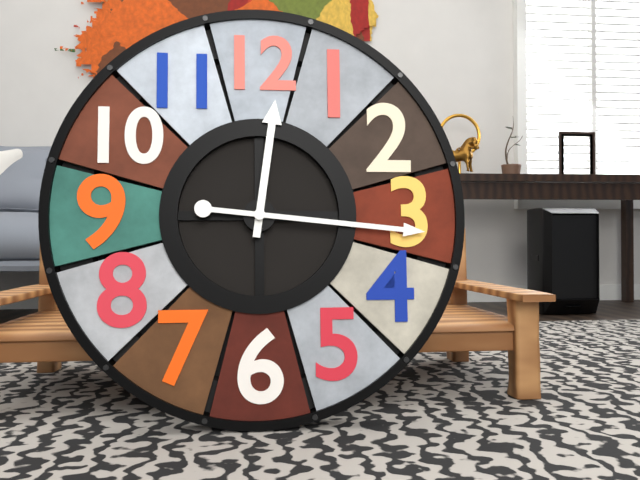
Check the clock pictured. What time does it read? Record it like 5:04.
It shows 12:16
